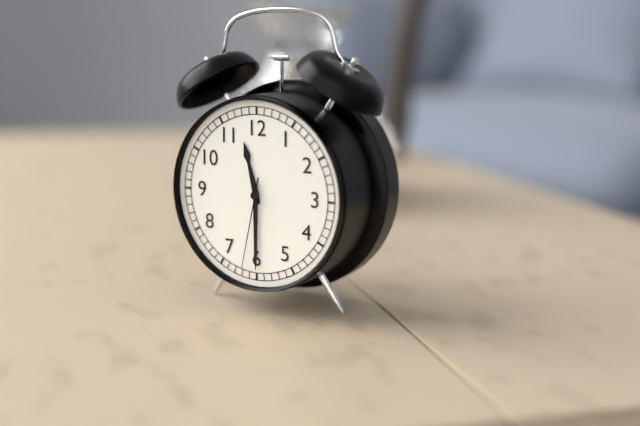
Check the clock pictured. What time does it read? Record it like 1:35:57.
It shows 11:30:32
